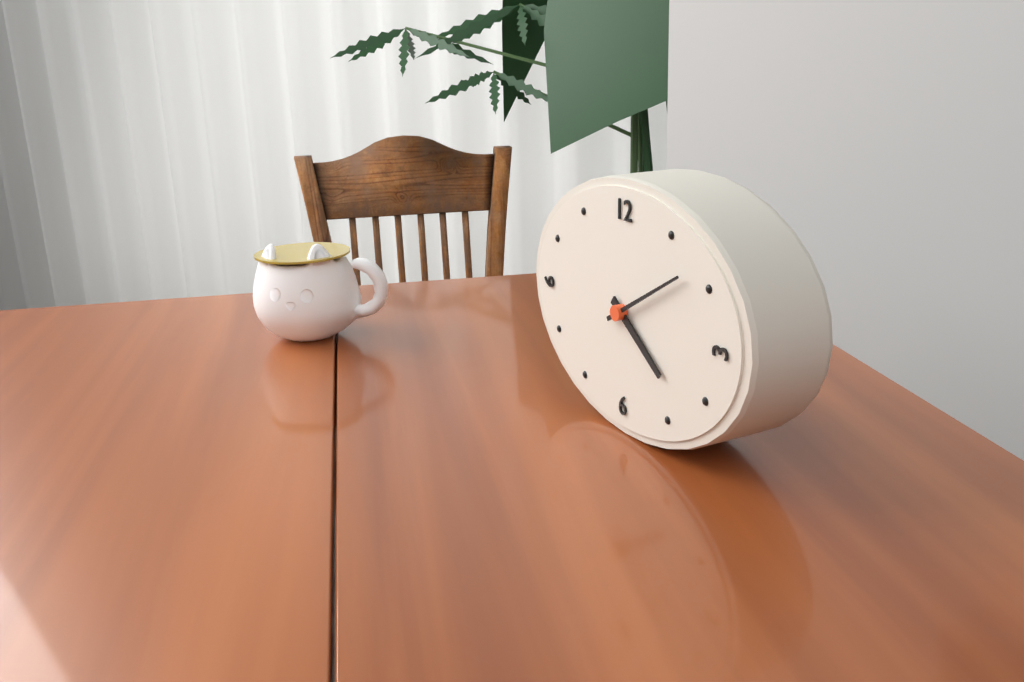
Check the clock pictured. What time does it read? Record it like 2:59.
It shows 4:10
